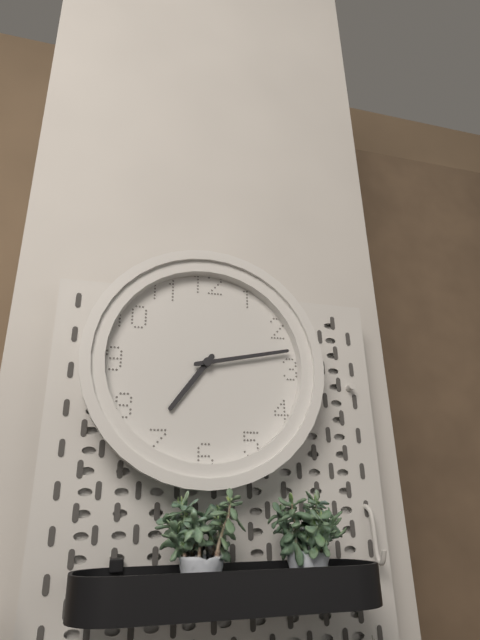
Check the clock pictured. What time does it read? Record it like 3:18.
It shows 7:13
